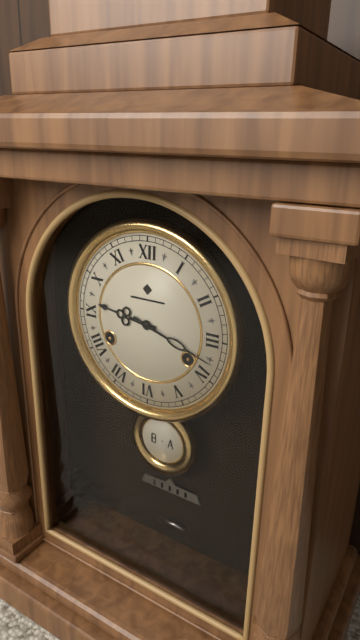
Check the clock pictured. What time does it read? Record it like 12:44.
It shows 9:18
